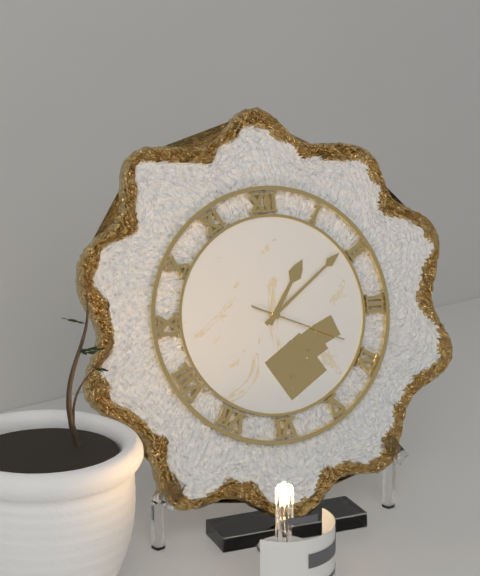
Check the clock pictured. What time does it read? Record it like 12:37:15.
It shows 1:09:19
